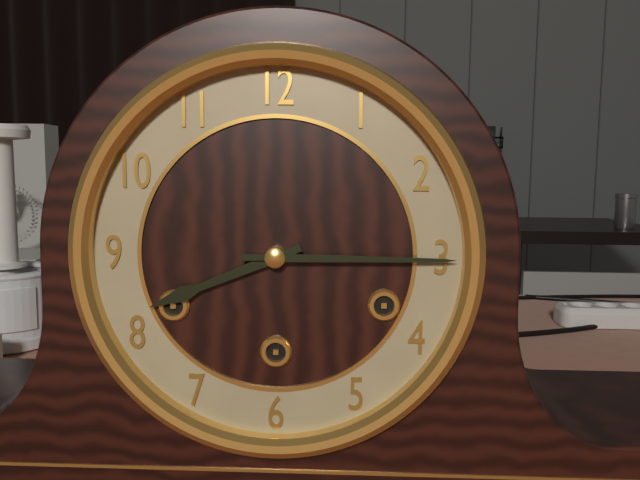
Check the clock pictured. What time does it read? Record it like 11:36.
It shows 8:15
